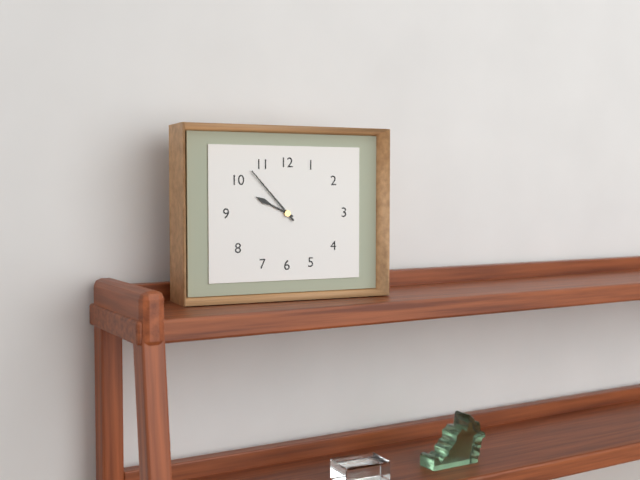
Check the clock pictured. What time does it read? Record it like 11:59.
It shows 9:53
